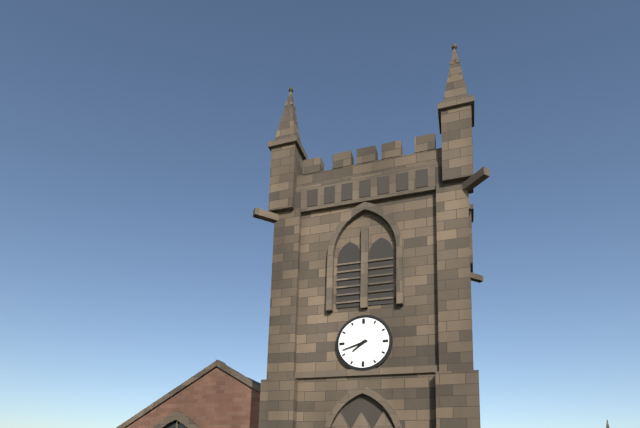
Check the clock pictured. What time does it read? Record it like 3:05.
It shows 7:42
